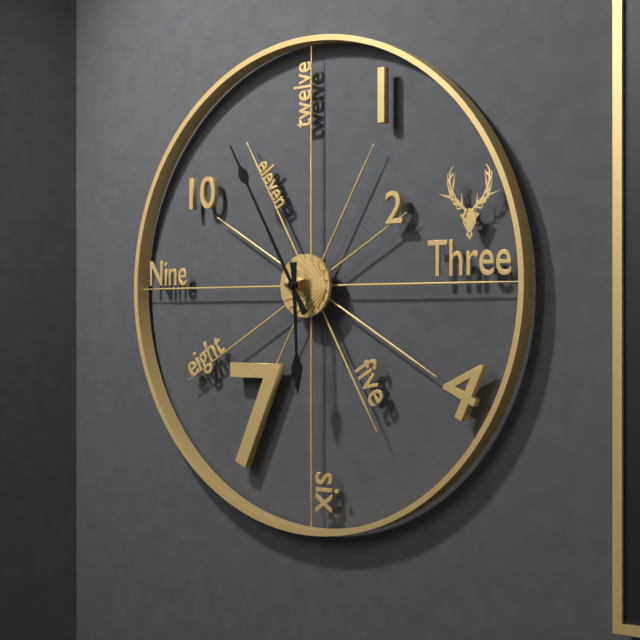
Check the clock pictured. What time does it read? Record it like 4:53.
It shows 5:55
